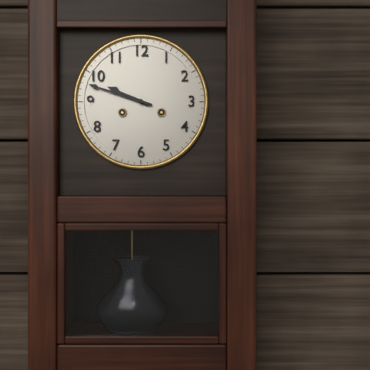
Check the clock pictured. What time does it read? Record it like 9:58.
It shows 9:48
